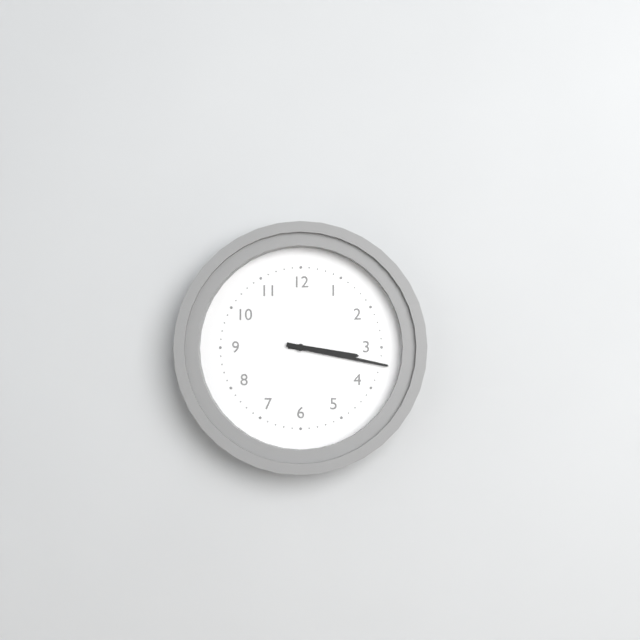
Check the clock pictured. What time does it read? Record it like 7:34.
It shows 3:17
